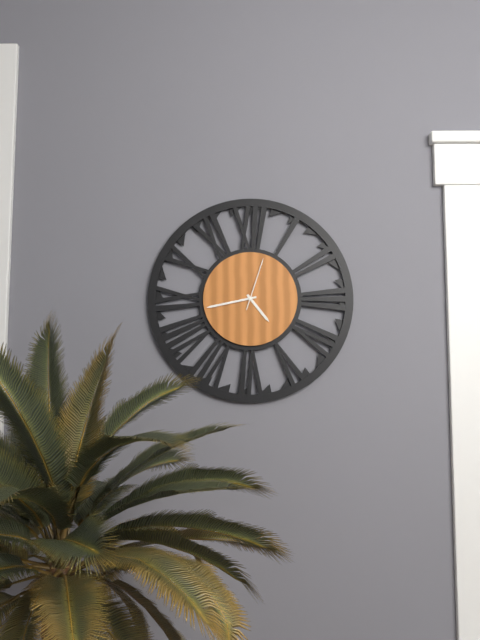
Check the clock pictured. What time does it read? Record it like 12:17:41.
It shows 4:43:03
